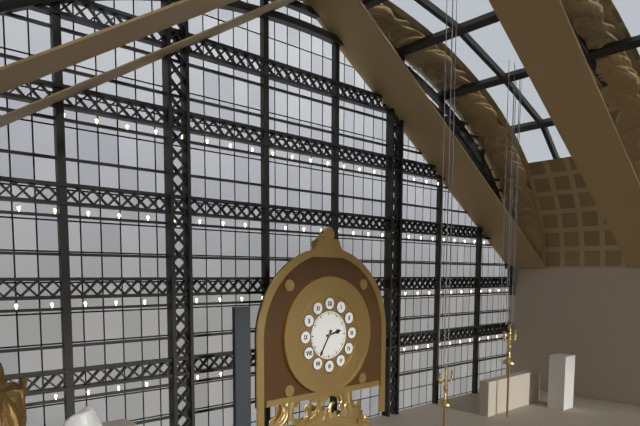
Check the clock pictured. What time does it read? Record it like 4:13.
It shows 2:35
